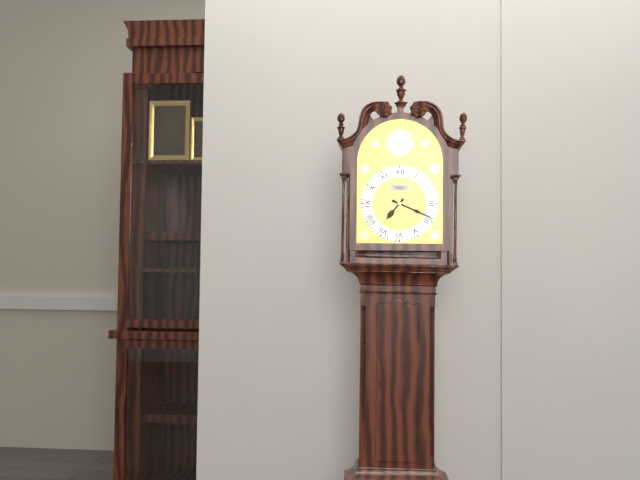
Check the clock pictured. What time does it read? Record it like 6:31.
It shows 7:19
